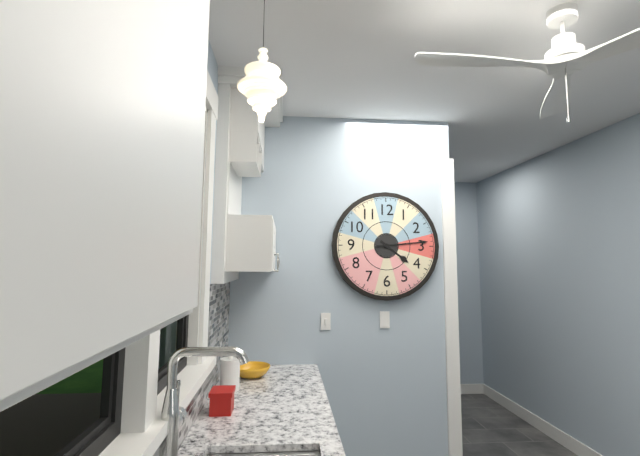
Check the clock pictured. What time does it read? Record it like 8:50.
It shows 4:14
